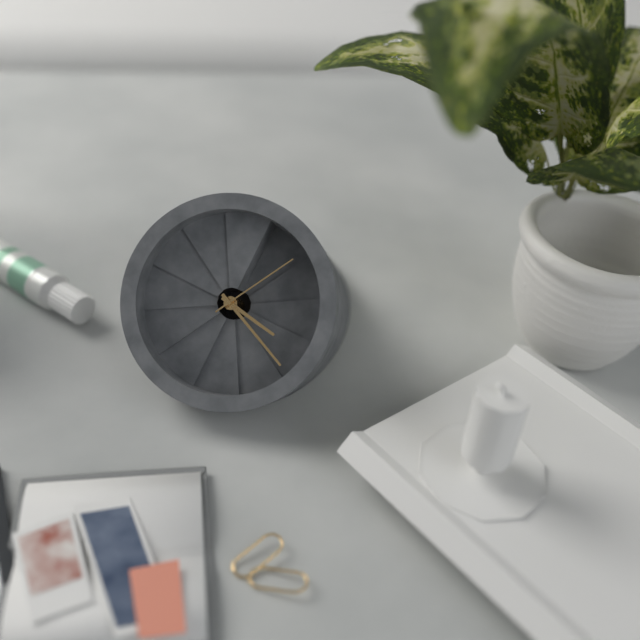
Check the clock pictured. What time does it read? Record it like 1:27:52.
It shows 3:19:05
